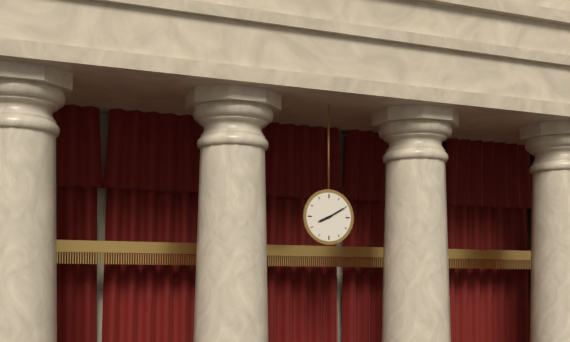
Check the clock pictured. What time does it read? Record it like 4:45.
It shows 8:10
